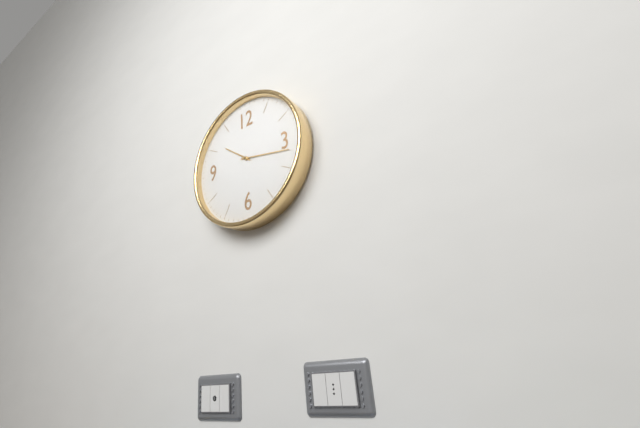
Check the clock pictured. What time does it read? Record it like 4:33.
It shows 10:17
